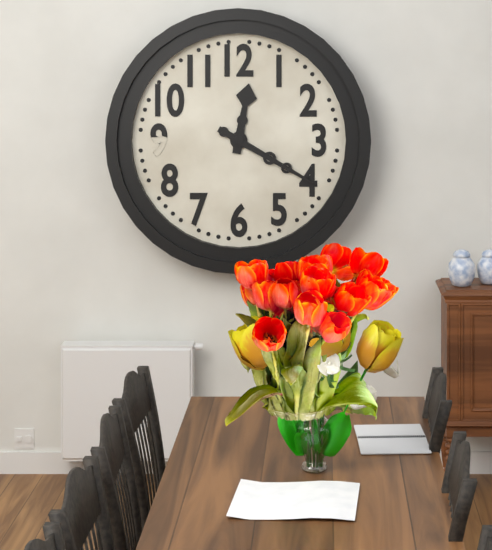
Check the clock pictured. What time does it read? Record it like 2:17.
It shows 12:20
